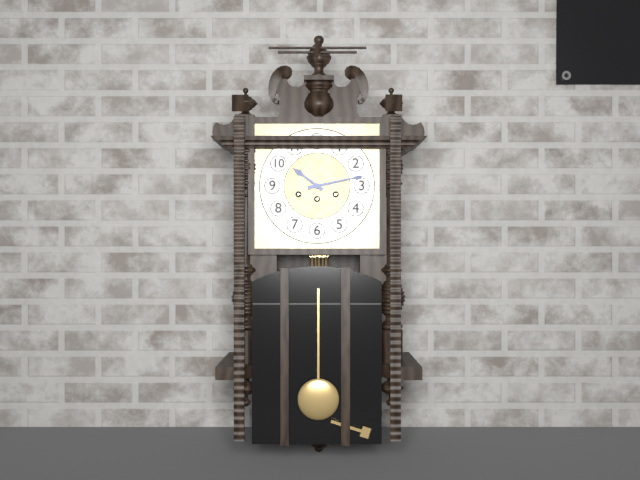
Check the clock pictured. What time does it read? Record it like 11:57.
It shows 10:13
